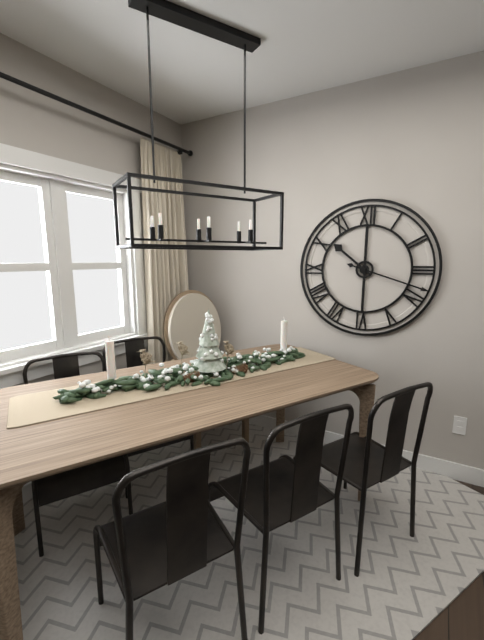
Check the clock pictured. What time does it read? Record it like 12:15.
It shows 10:18
